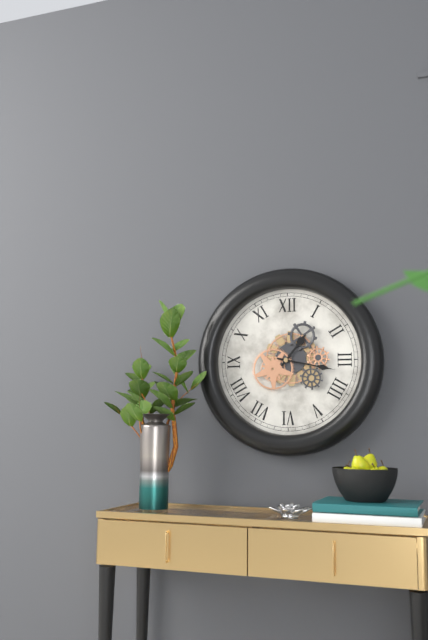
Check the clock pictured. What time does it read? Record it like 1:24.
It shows 1:17
